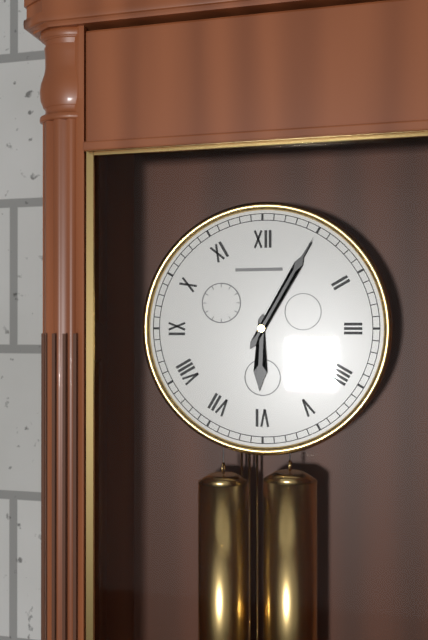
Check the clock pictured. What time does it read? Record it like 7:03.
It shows 6:05
